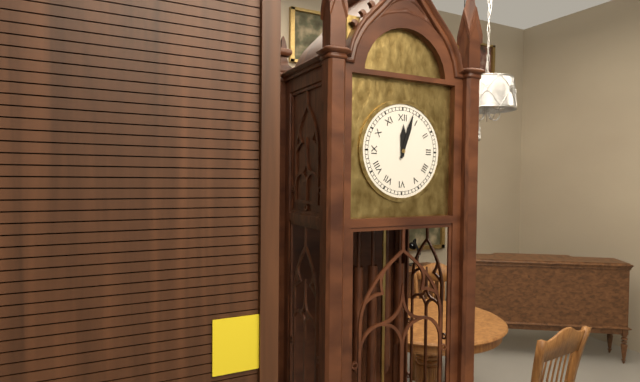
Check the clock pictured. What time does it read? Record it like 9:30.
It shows 12:03
